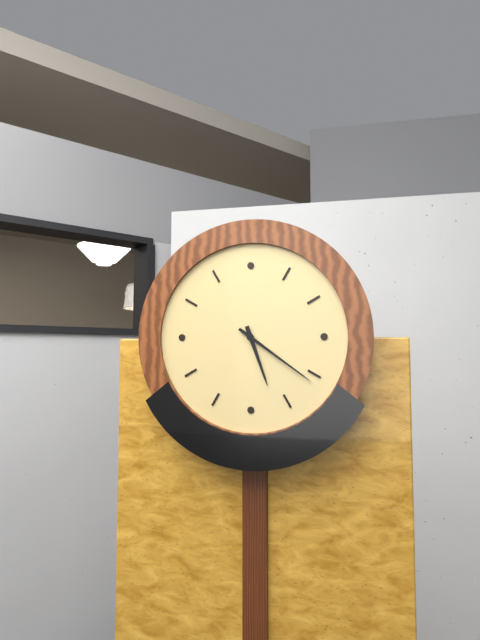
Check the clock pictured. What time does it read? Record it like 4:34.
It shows 5:21
